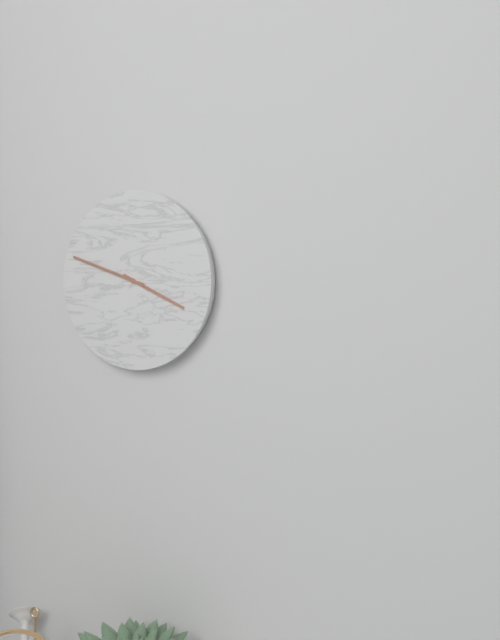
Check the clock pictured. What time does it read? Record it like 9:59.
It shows 3:48
